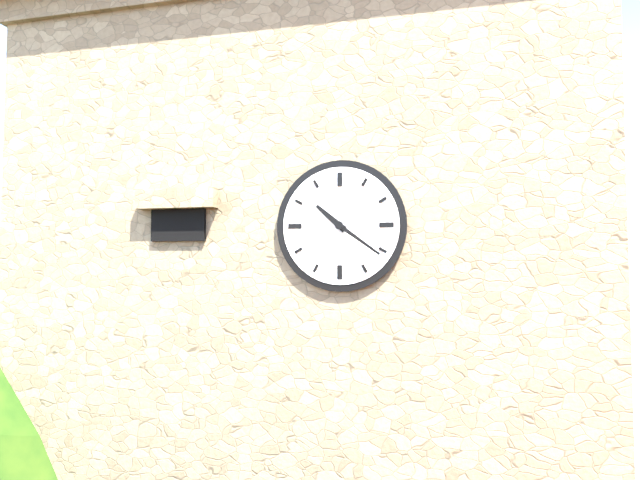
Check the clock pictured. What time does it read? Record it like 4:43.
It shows 10:21
